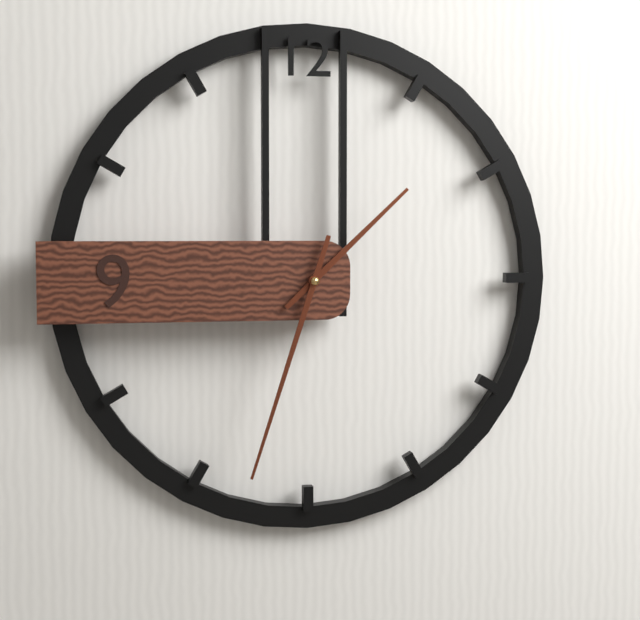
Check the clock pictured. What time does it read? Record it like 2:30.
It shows 1:33
